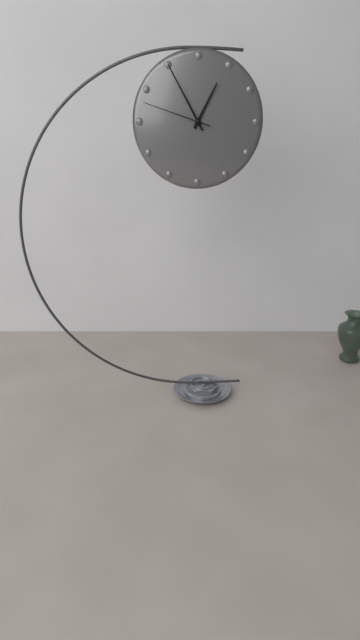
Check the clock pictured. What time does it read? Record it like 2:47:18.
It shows 12:55:48
